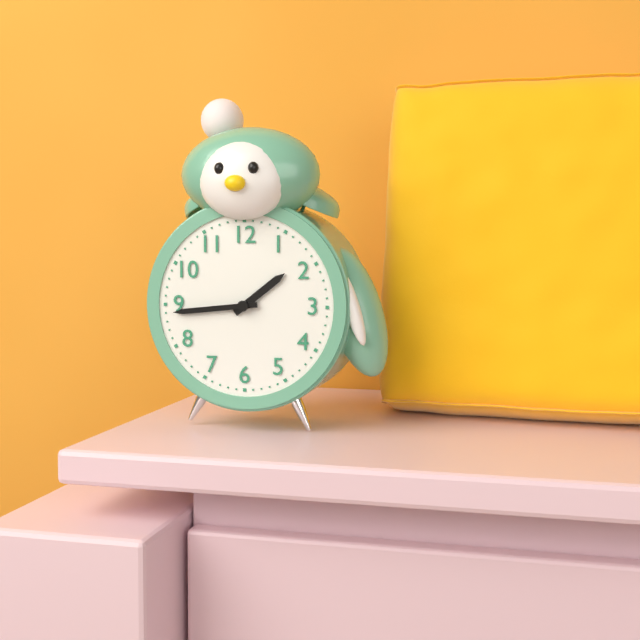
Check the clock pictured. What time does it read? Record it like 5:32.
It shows 1:44
